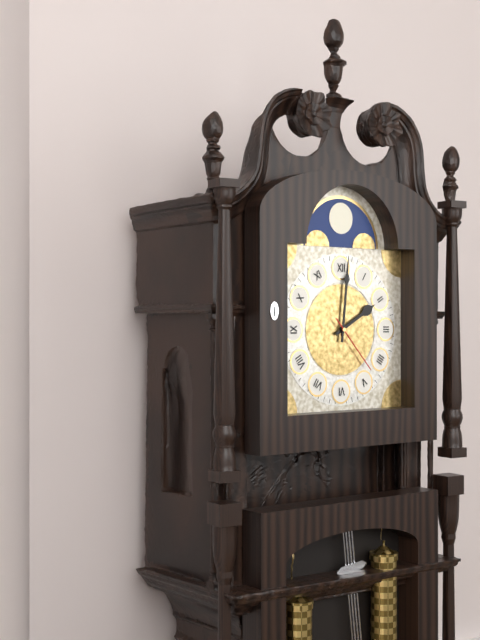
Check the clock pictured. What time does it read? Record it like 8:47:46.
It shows 2:01:23
